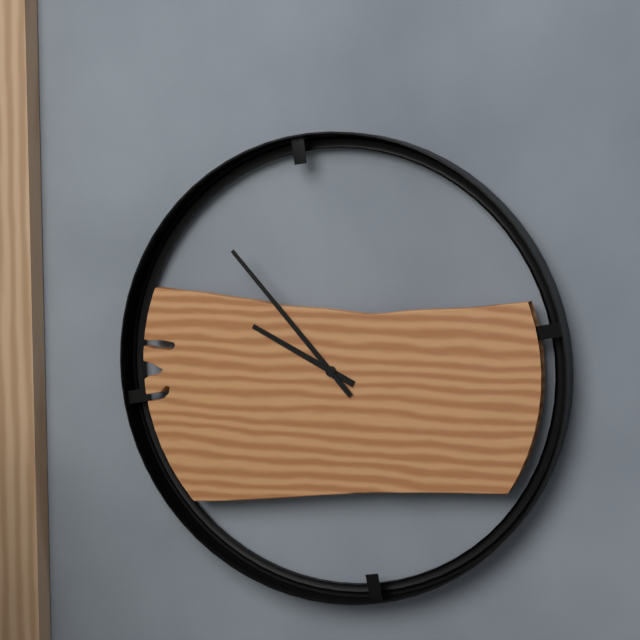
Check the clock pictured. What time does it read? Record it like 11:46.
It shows 9:53
